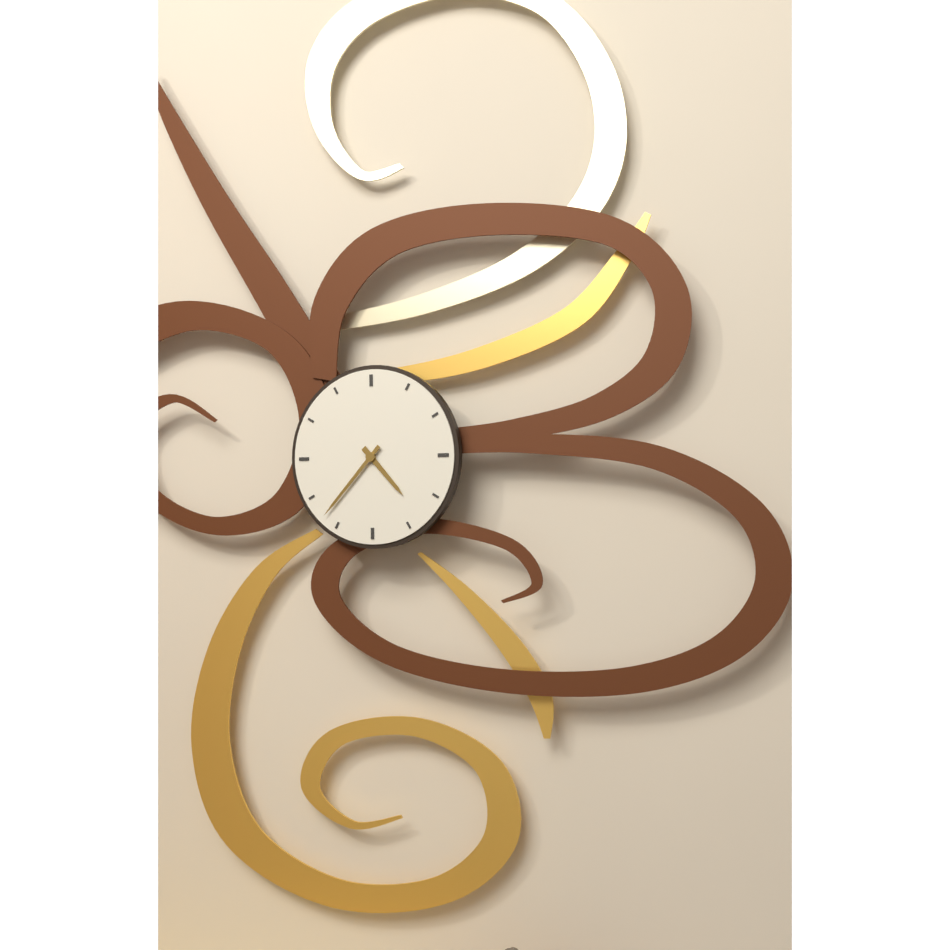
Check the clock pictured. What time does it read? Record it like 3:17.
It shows 4:37
